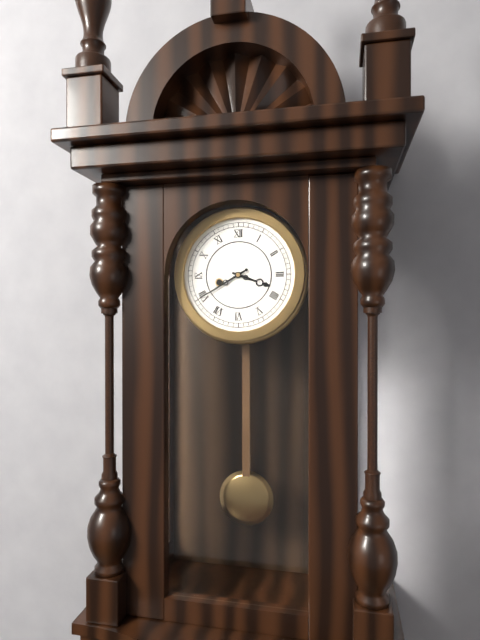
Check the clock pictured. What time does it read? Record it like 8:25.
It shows 3:40
